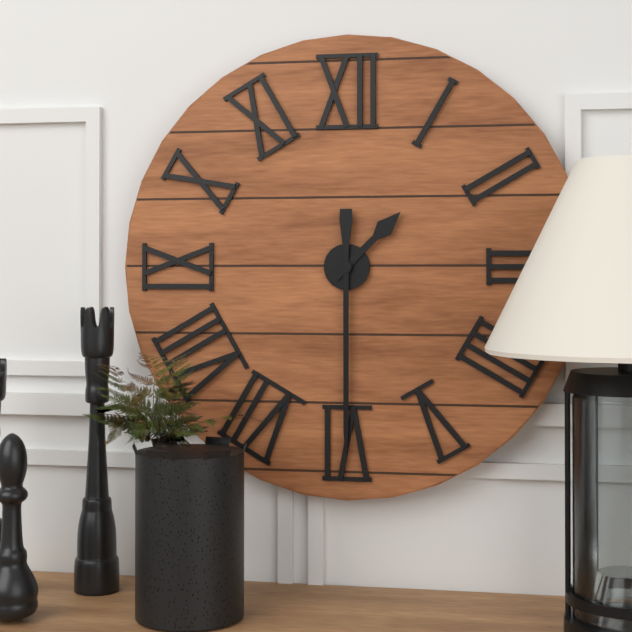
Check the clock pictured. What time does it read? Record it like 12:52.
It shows 1:30
